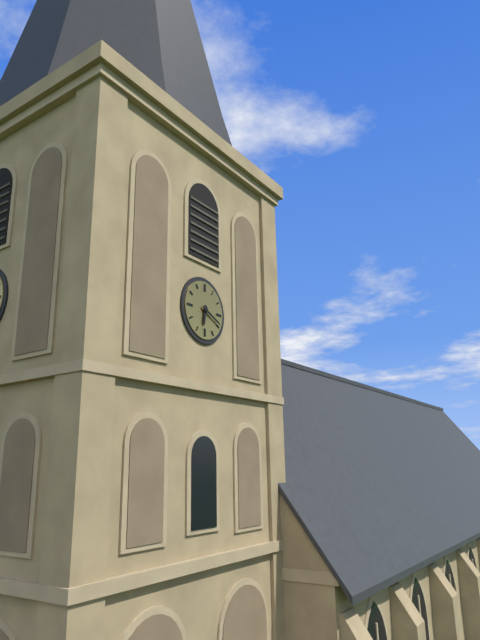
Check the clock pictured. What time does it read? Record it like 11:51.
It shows 6:19
